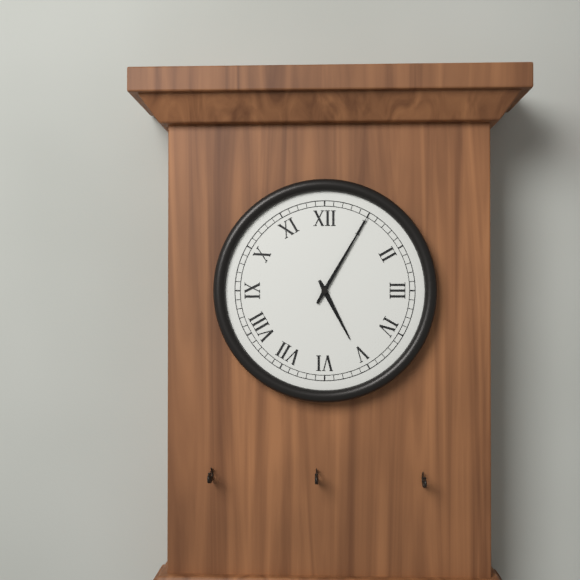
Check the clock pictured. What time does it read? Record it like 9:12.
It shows 5:05
